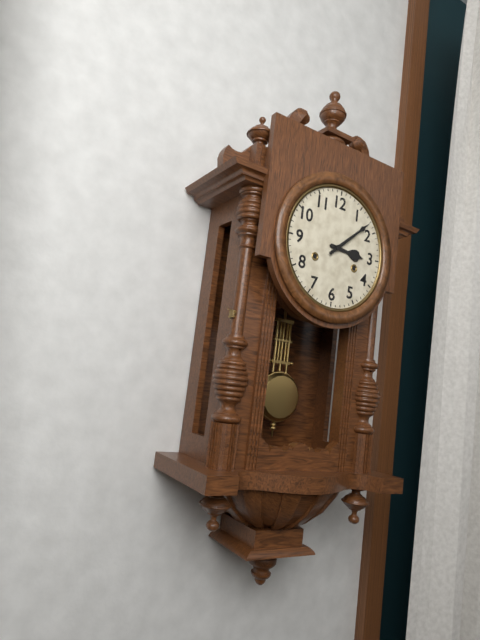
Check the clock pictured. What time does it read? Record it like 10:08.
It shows 3:08
